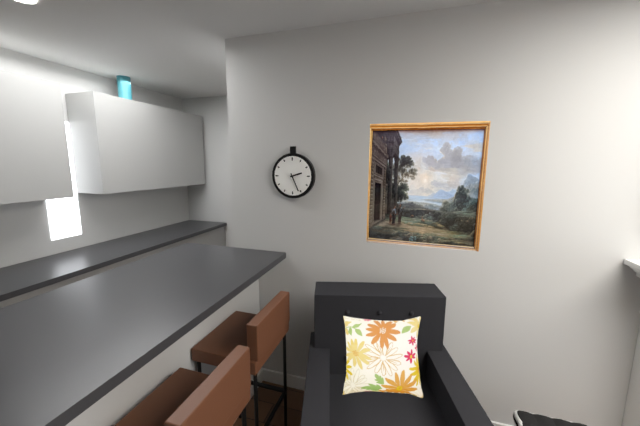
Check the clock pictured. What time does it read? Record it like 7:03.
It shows 2:26
